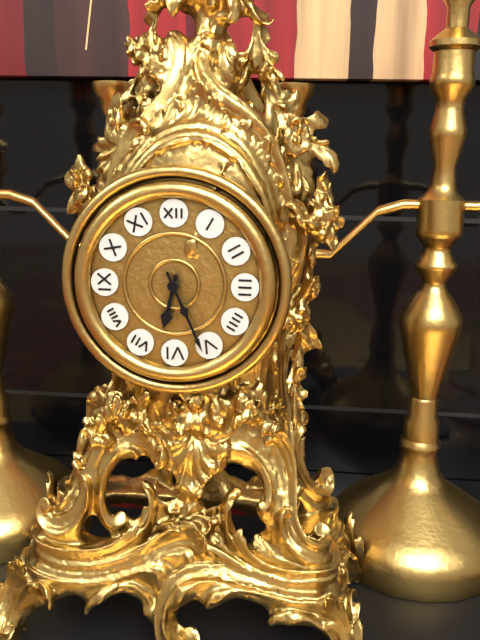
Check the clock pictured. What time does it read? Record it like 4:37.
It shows 6:26
